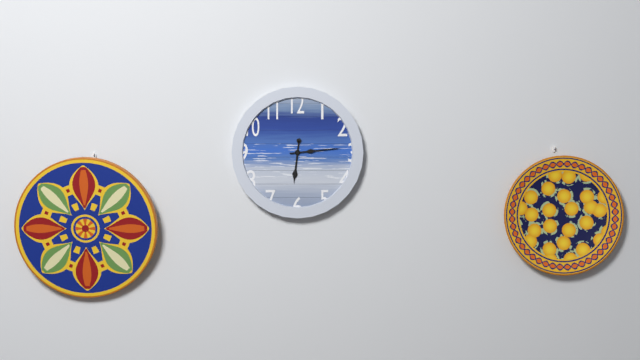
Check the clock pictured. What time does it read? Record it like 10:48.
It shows 6:14
